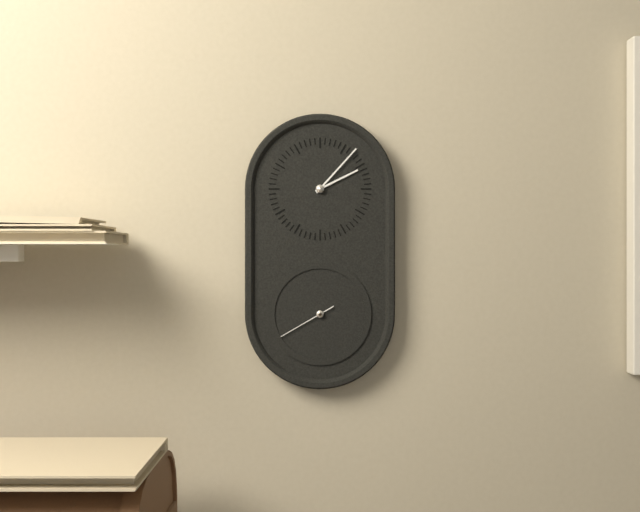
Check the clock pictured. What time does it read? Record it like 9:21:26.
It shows 2:07:40
